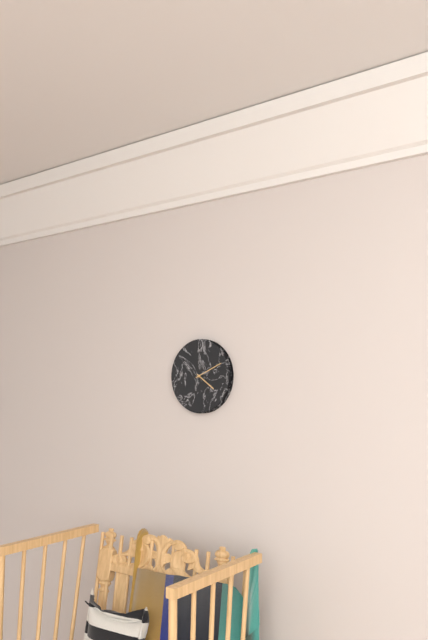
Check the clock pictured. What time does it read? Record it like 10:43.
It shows 4:11
